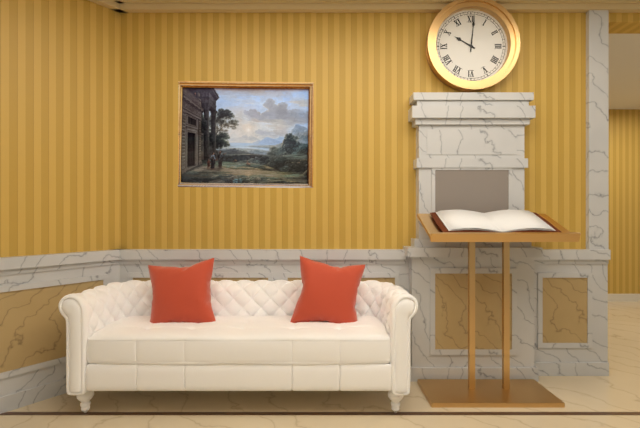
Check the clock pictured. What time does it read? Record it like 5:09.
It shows 10:01
